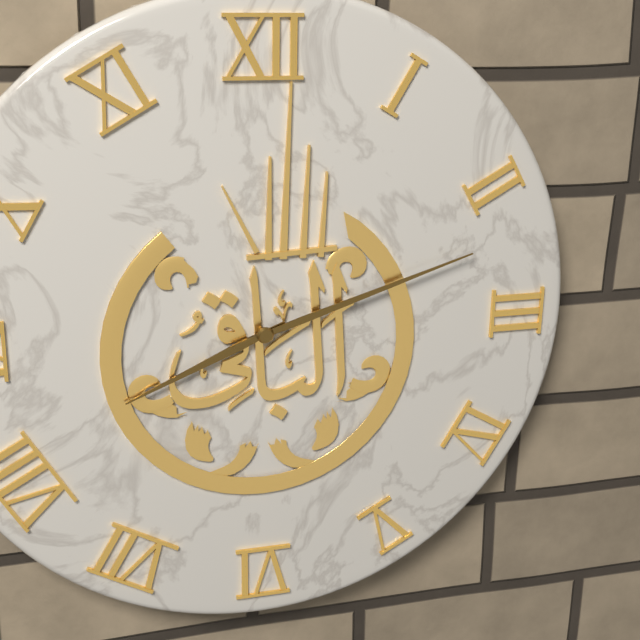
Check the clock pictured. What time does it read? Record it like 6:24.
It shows 8:12
